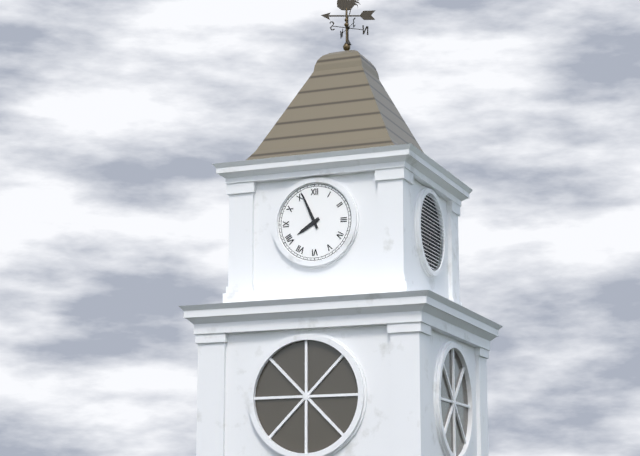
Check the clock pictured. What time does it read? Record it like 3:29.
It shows 7:56
